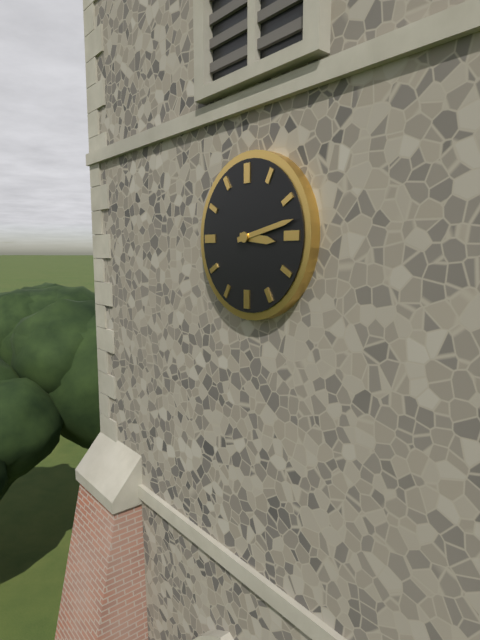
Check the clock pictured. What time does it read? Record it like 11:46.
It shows 3:13
